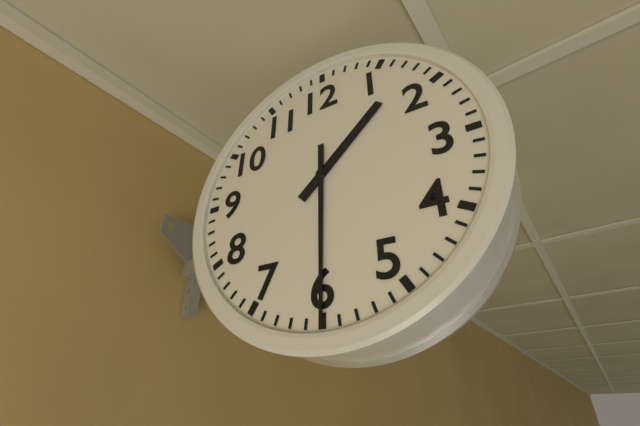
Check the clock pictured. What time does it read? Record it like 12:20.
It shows 1:30
